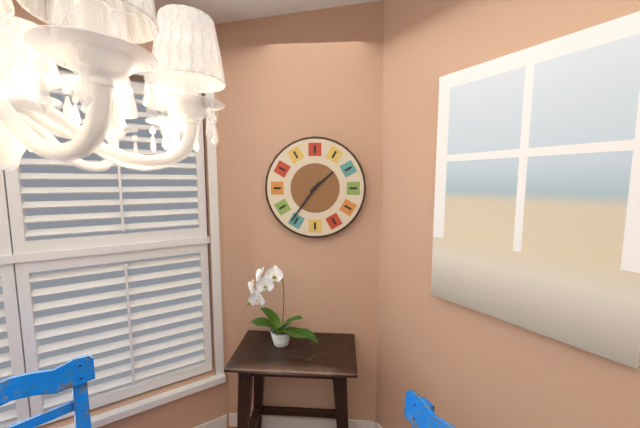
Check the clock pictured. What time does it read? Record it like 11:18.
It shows 1:36
